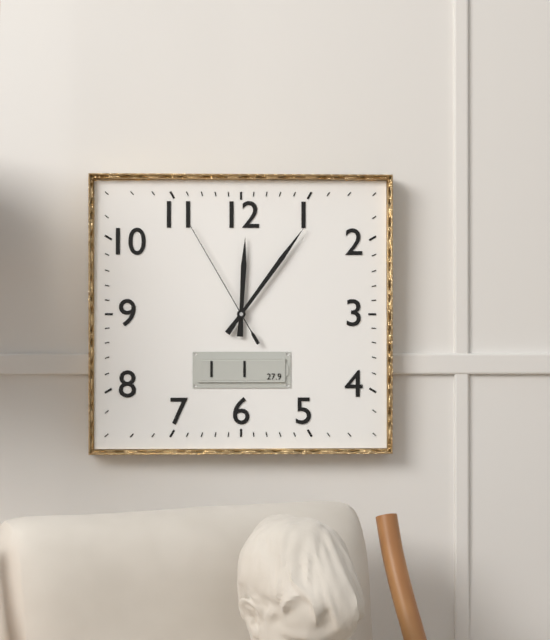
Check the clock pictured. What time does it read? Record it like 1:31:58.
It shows 12:06:55
